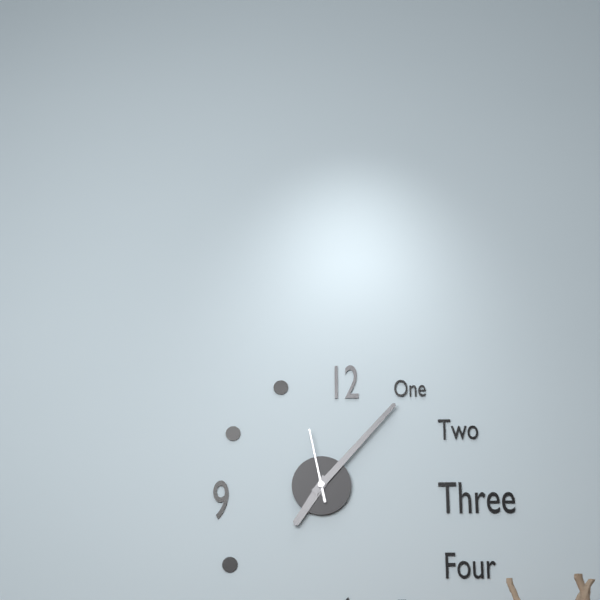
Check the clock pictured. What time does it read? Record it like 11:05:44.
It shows 7:07:58
